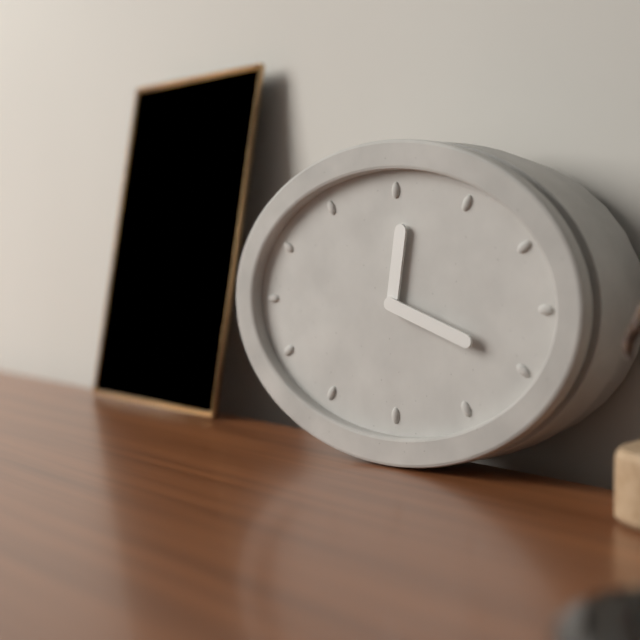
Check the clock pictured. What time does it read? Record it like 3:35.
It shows 12:18
